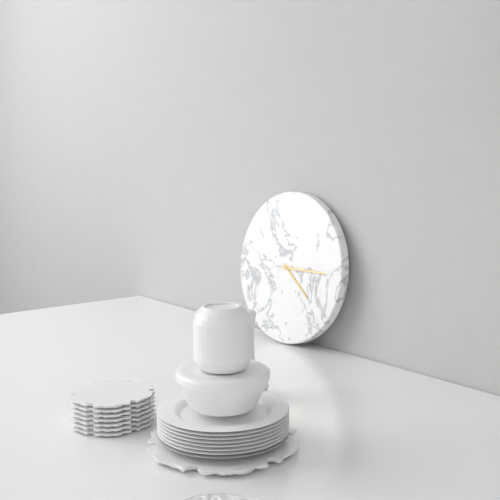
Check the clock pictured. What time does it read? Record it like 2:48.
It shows 4:15
